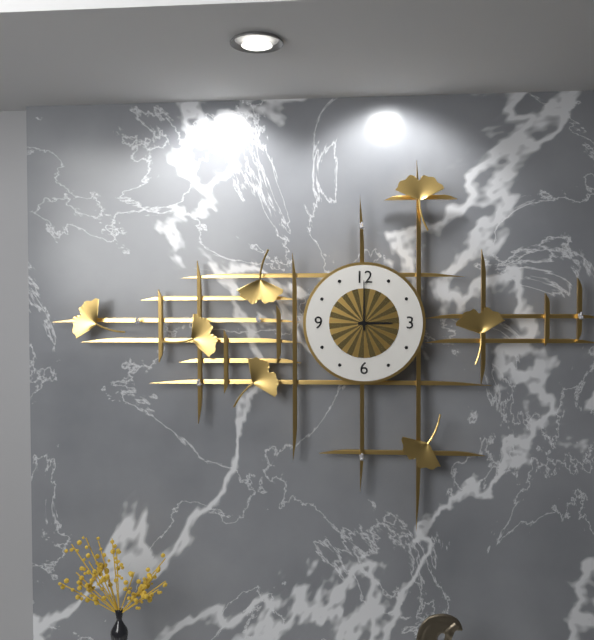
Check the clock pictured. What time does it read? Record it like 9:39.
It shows 3:00
